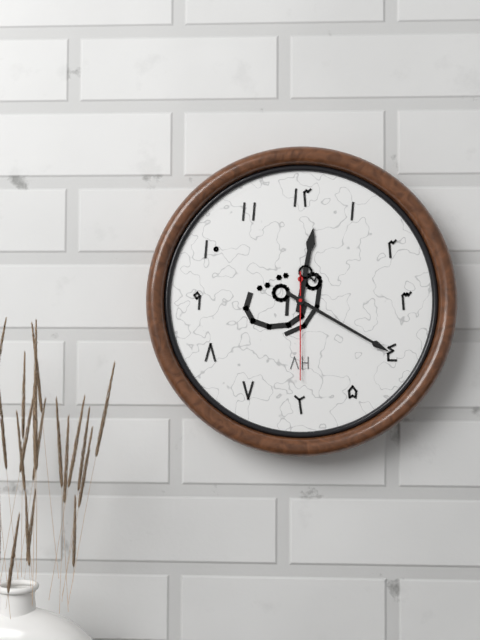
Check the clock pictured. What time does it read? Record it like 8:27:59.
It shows 12:20:30
